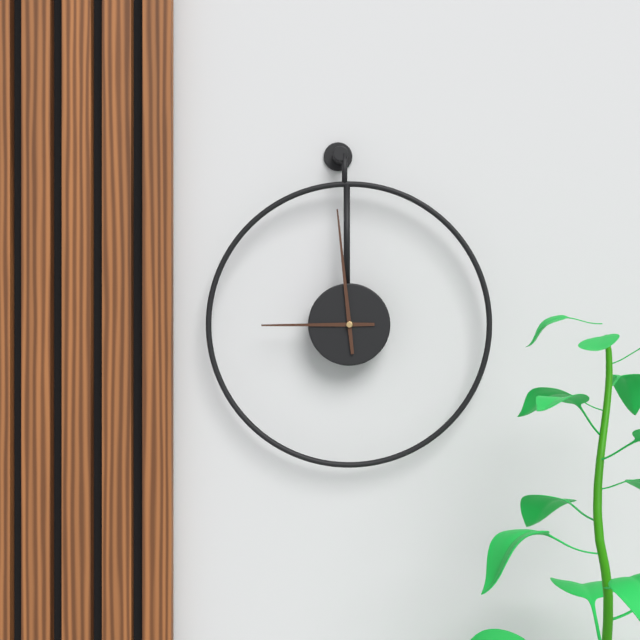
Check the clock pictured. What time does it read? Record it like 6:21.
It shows 8:59
